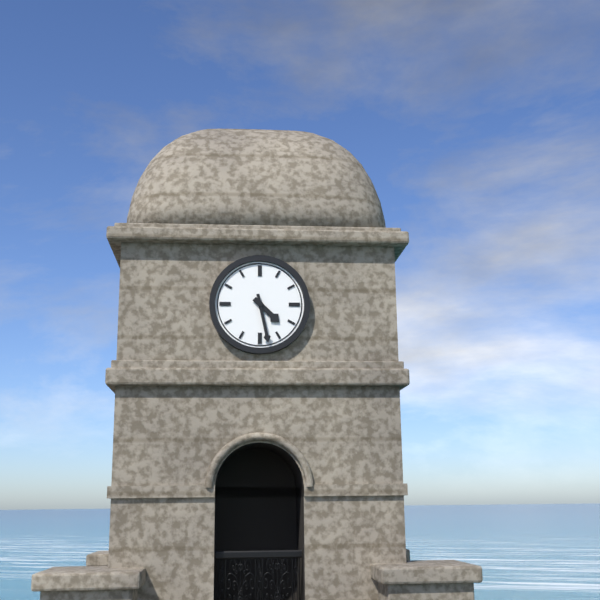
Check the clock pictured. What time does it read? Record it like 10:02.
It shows 4:28
